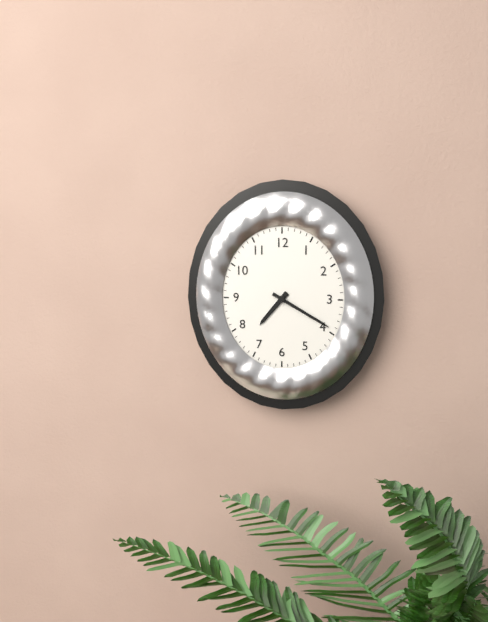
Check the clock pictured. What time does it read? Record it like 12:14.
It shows 7:20
